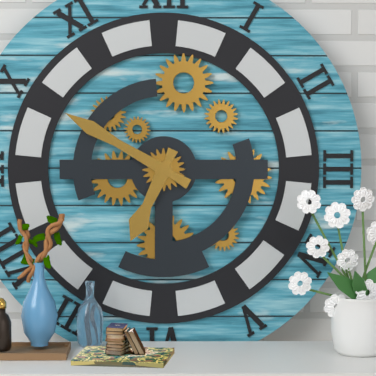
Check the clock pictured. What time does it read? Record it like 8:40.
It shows 6:50
